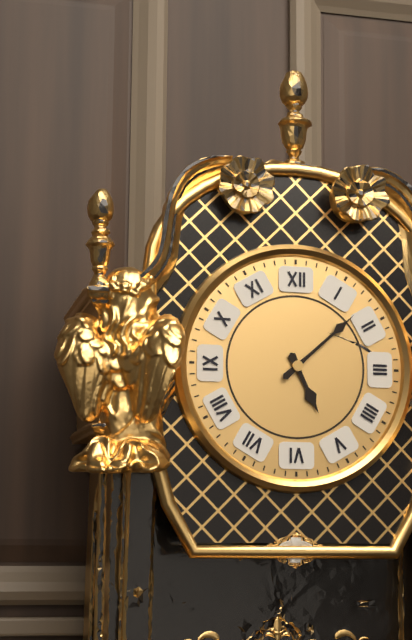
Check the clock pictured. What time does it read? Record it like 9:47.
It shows 5:08
